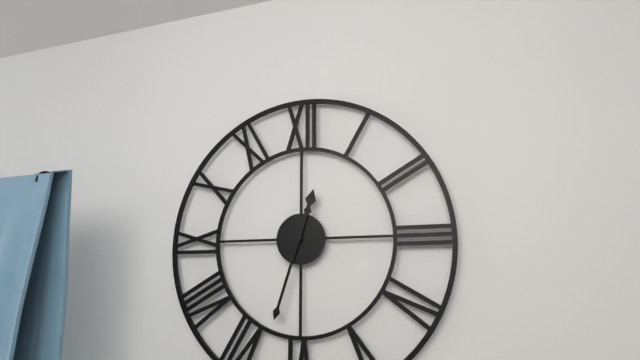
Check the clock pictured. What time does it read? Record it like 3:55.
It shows 12:33
